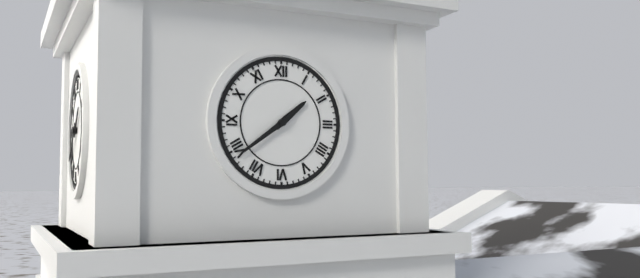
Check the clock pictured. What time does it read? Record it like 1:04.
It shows 1:39
